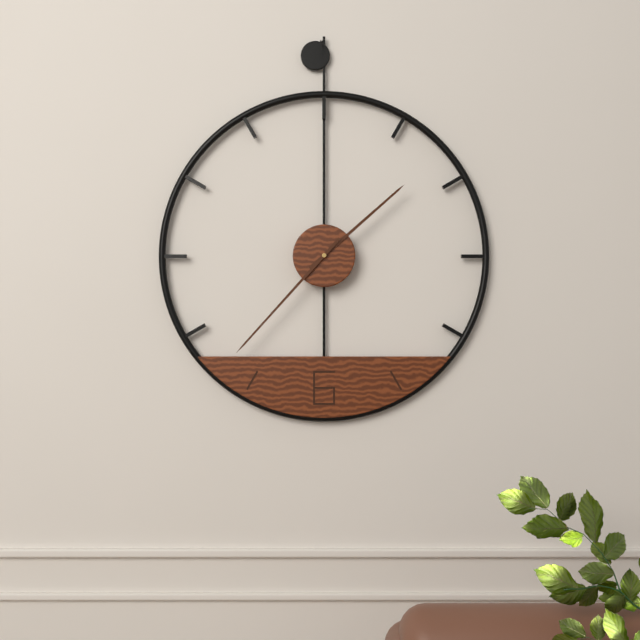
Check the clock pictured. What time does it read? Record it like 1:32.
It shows 1:37
